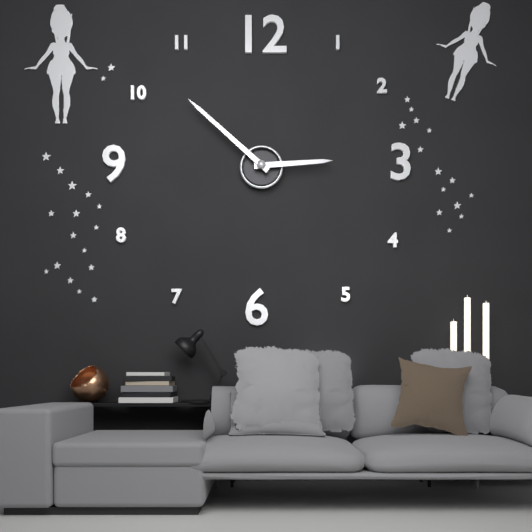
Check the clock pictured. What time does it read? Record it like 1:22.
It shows 2:52
